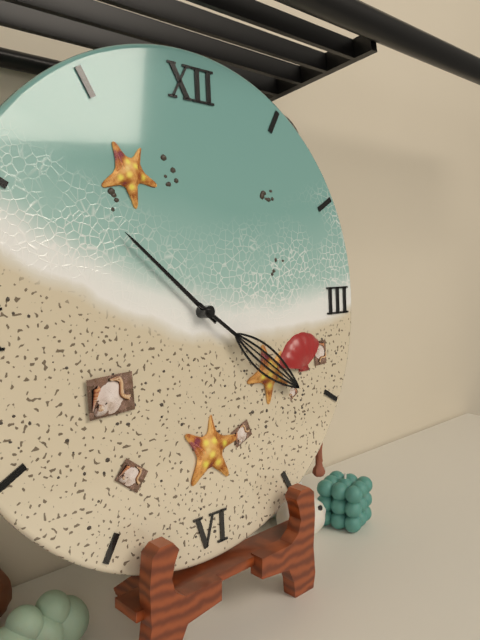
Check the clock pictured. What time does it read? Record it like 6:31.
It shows 10:21
